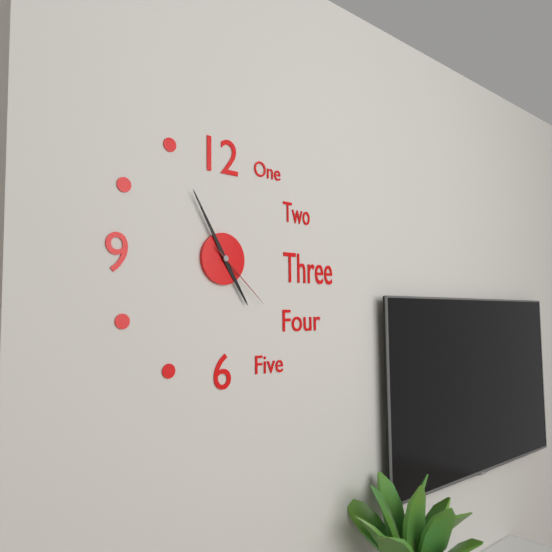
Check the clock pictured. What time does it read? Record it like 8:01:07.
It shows 4:55:22
